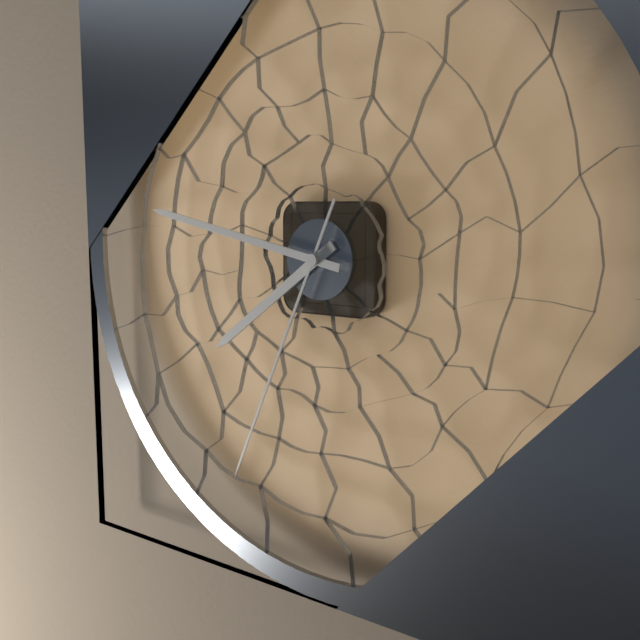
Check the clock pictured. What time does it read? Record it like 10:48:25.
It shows 7:47:34
